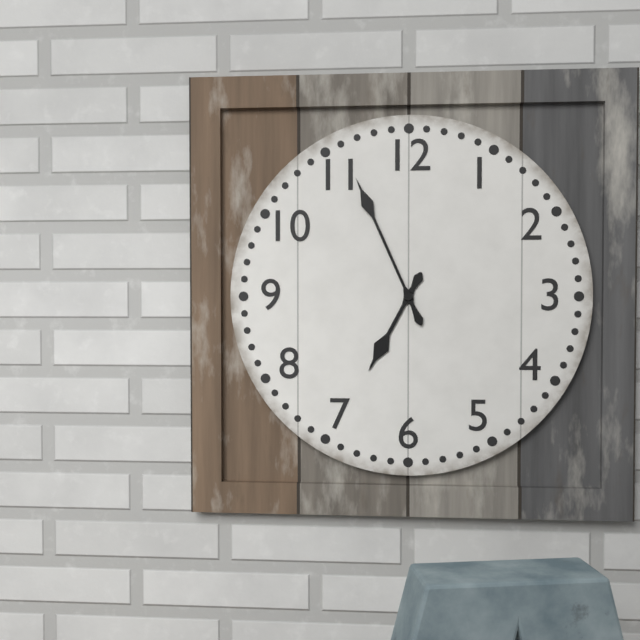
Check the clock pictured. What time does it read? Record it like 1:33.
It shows 6:56
